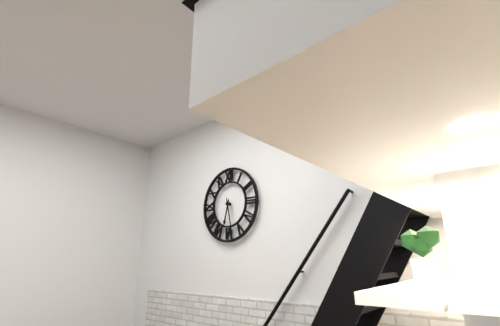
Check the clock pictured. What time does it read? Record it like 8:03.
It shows 6:28
